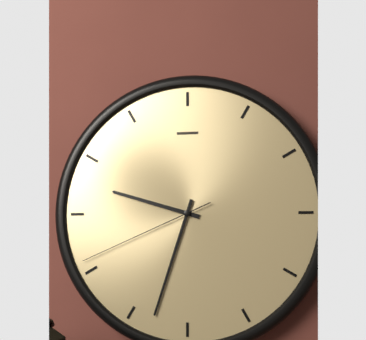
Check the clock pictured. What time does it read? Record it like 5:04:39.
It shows 9:33:41
